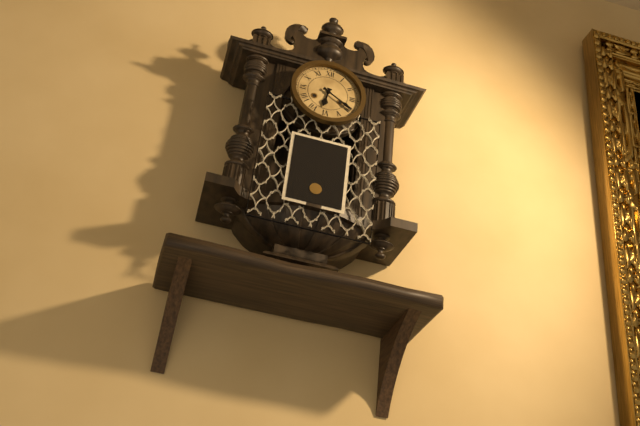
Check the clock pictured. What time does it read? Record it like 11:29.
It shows 6:20
